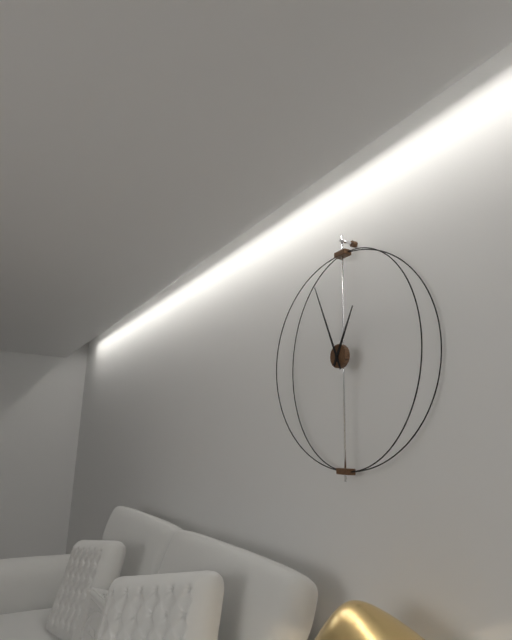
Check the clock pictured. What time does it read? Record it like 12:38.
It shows 12:56
